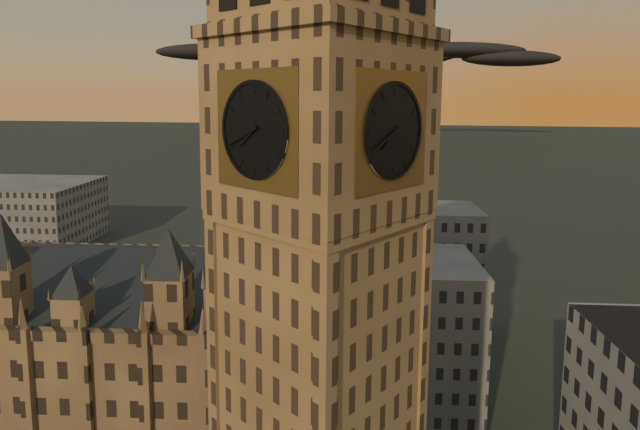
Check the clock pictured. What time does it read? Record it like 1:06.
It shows 7:41
